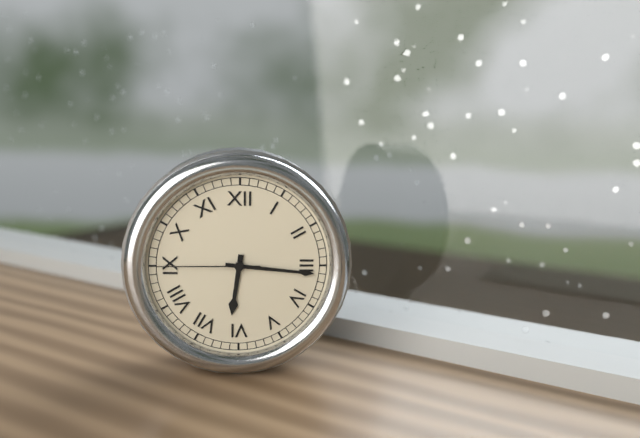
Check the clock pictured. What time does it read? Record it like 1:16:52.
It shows 6:16:45
